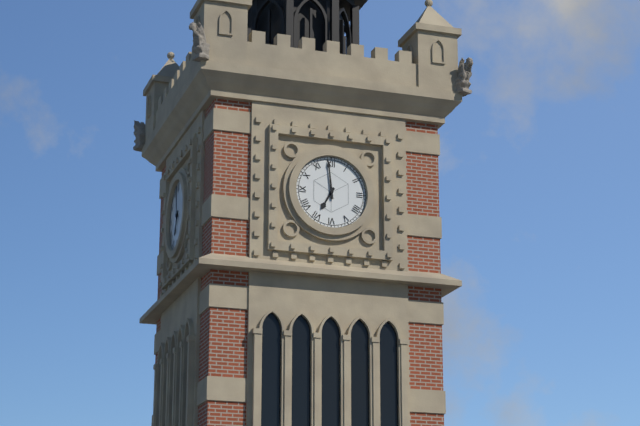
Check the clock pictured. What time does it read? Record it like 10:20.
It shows 6:59
